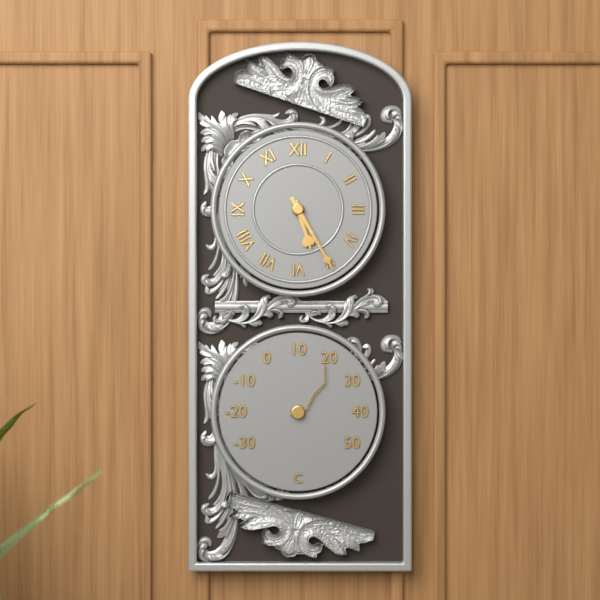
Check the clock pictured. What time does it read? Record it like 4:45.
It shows 5:25
